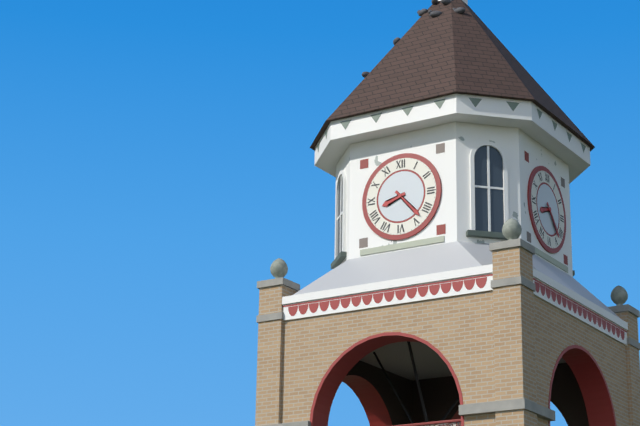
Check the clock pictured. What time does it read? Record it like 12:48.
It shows 8:23
